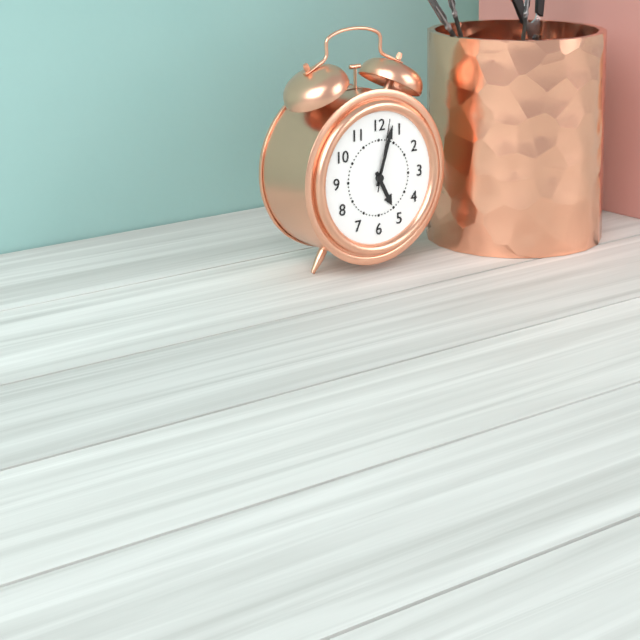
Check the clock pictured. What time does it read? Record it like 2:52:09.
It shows 5:03:02
